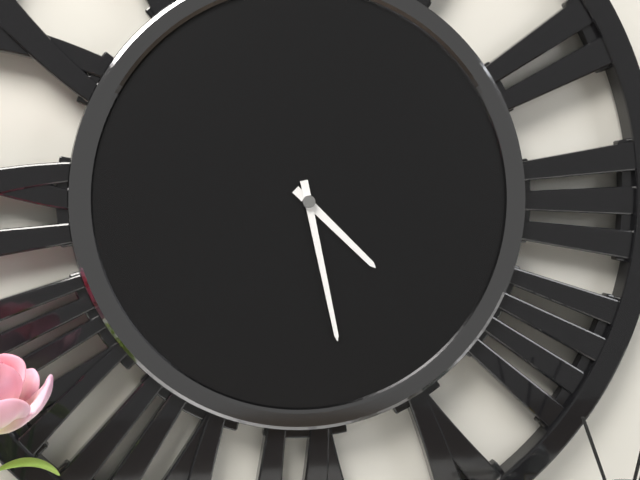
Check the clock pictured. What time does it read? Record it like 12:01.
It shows 4:28
